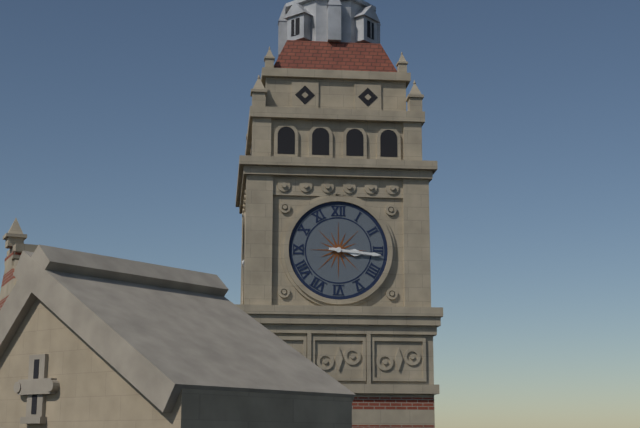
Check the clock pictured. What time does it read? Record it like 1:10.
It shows 3:16
